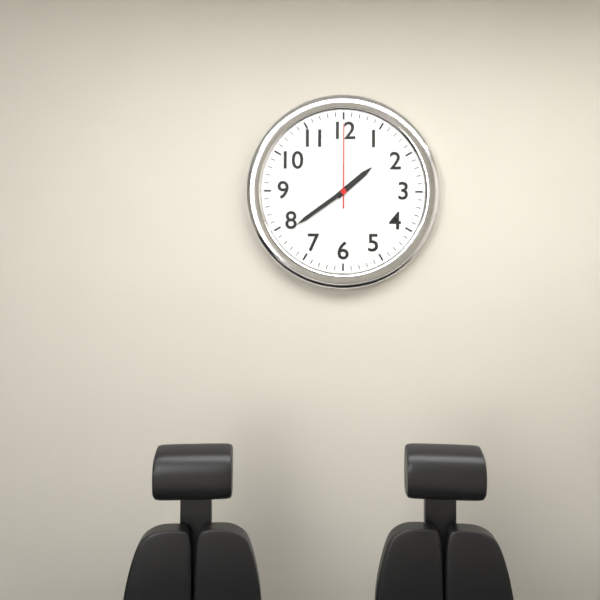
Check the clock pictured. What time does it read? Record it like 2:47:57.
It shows 1:39:00
